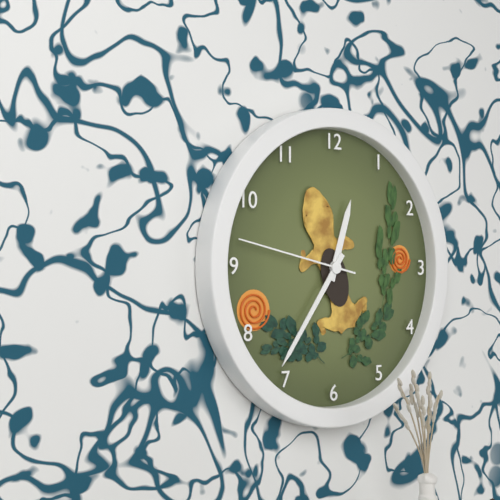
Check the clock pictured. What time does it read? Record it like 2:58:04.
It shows 12:36:47
